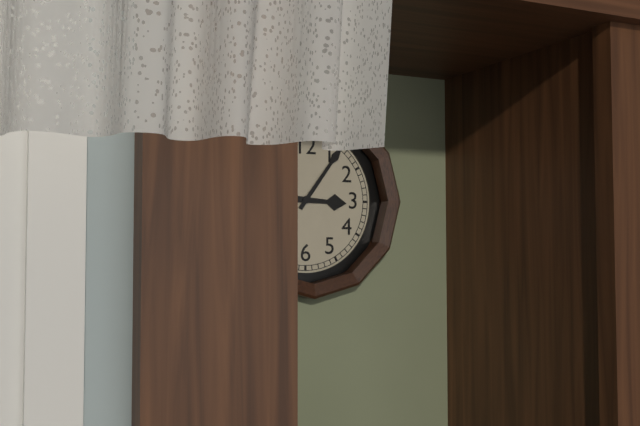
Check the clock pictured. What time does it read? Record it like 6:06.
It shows 3:06
